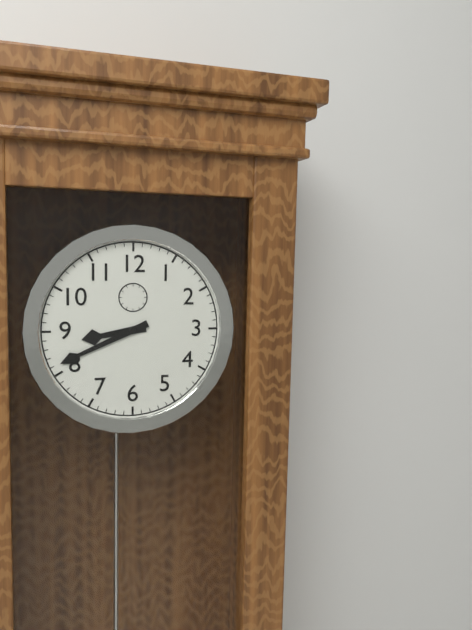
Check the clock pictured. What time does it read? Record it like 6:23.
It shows 8:41
